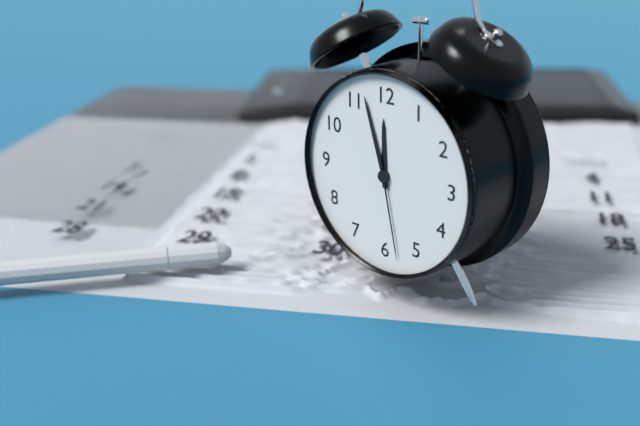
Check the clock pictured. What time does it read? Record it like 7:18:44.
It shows 11:57:28
